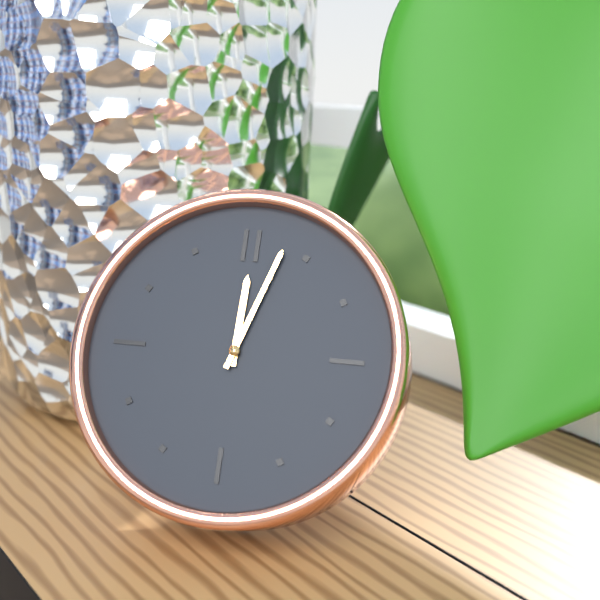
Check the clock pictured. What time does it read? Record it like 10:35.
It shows 12:03
